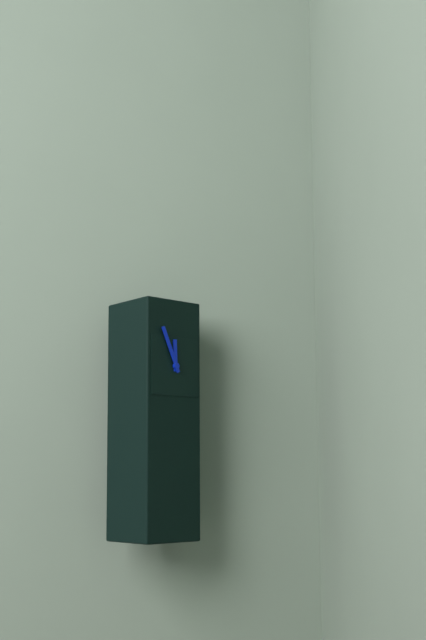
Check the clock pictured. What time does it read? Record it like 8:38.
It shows 11:56
